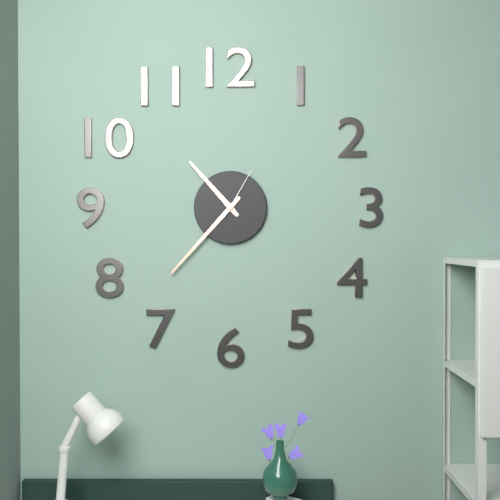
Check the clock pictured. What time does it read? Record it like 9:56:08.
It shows 10:37:05
